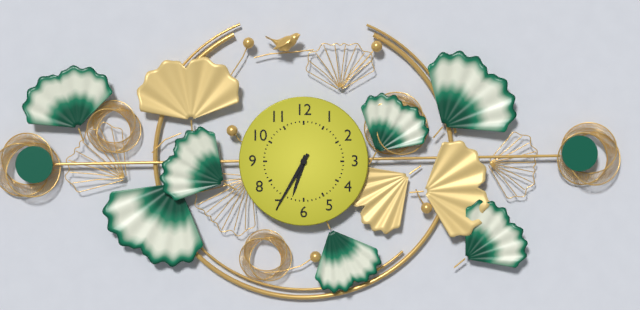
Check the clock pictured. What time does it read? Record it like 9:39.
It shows 6:35
